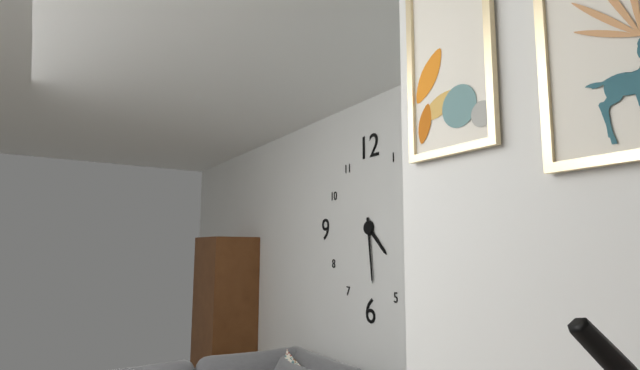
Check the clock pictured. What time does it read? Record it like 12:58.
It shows 4:29
